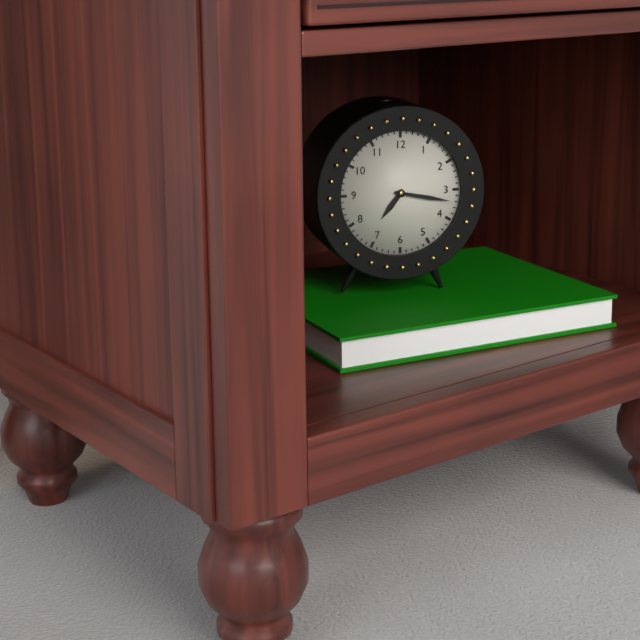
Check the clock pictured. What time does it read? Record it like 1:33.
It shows 7:17
